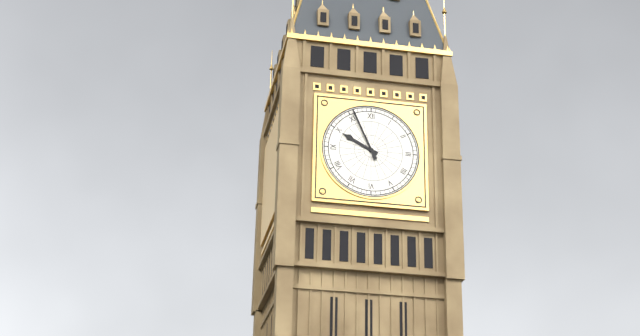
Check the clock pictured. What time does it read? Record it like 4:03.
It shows 9:56
